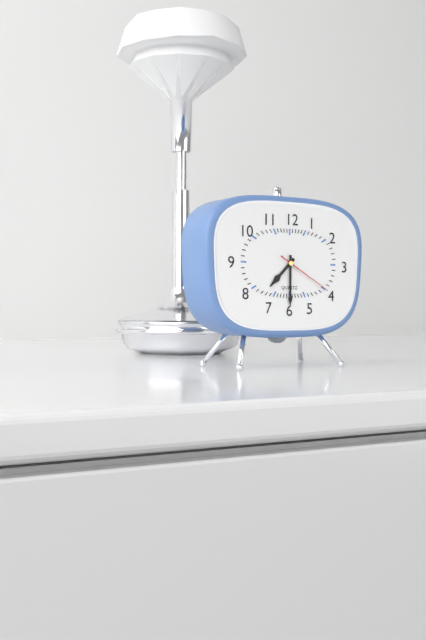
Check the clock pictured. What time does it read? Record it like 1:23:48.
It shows 7:30:20
